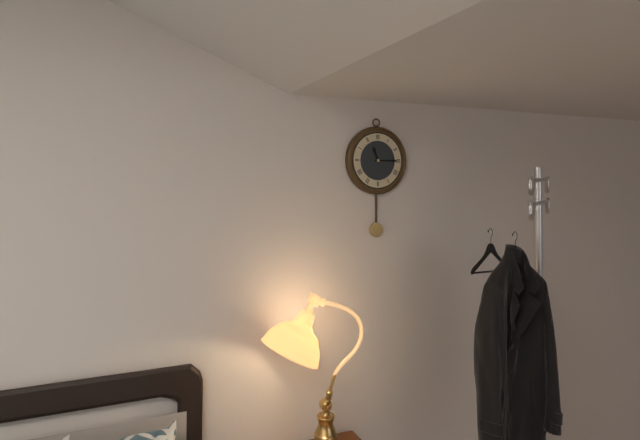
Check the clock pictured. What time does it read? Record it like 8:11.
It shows 11:15
